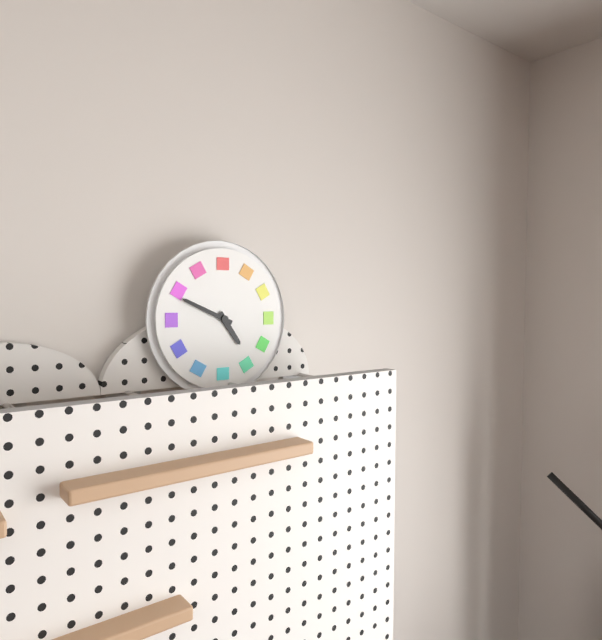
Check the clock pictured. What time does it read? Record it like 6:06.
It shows 4:49
